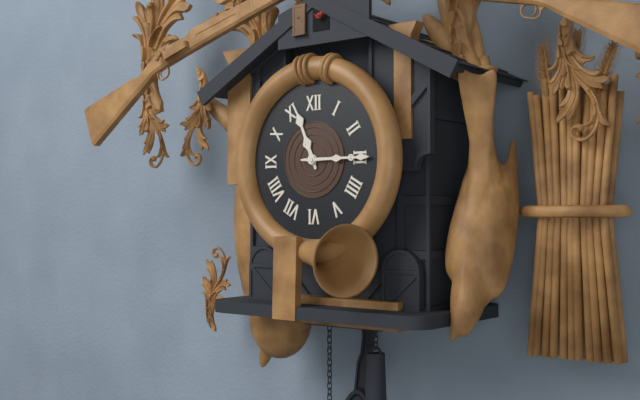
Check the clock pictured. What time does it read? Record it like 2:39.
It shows 11:15
